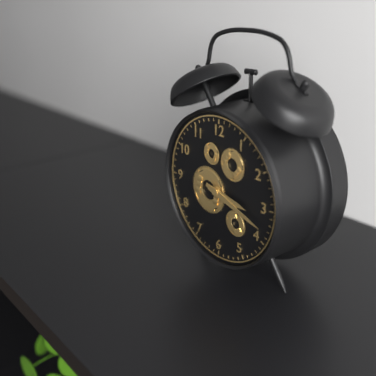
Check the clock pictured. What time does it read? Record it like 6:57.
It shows 3:18
